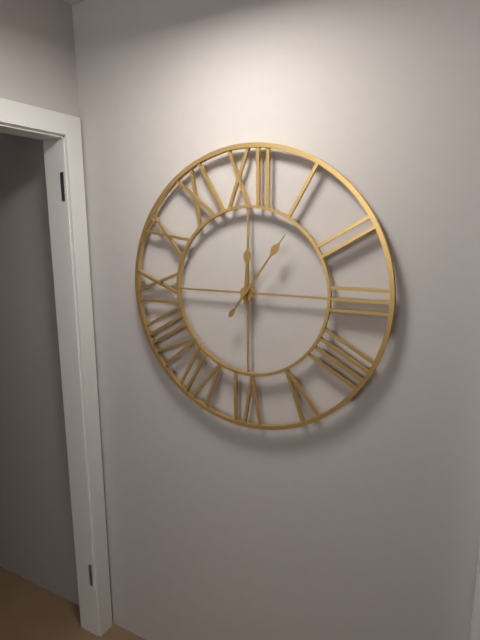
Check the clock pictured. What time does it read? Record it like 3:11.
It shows 12:06
